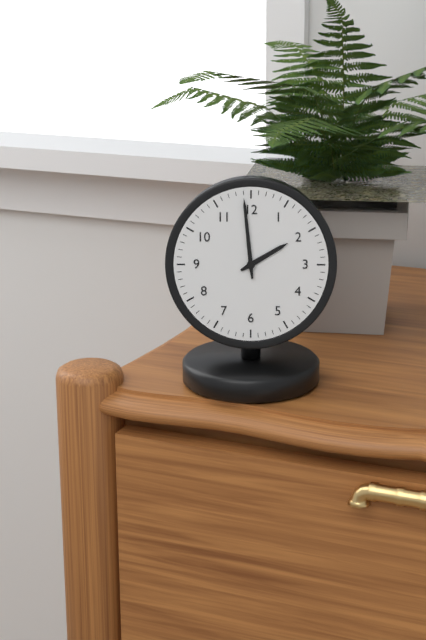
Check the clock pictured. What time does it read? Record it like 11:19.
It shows 1:59
